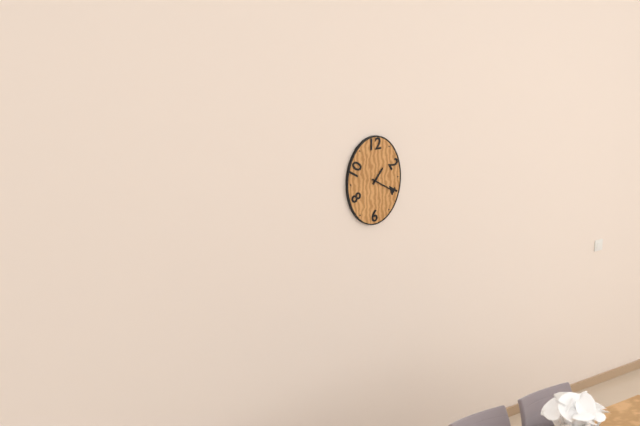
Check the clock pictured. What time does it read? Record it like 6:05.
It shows 1:20
